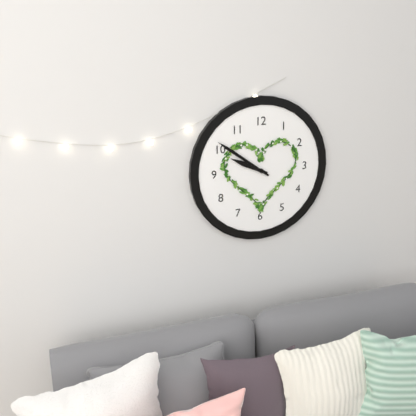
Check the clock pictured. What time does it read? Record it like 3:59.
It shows 9:51
